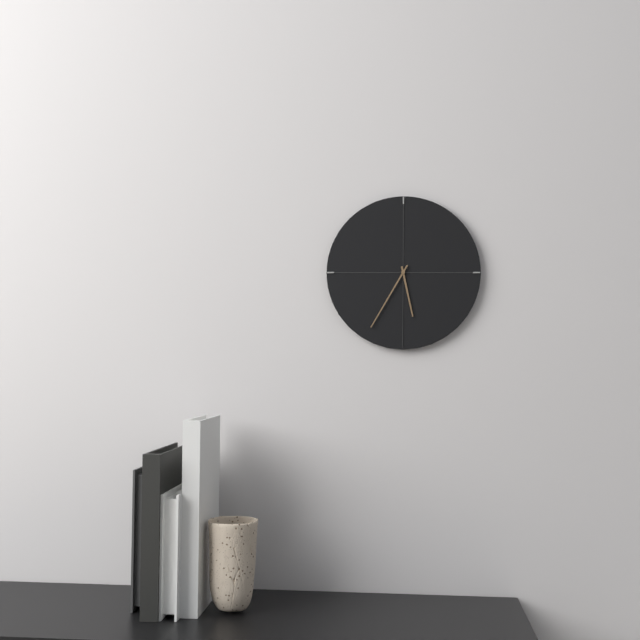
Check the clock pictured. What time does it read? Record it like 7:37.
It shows 5:35
